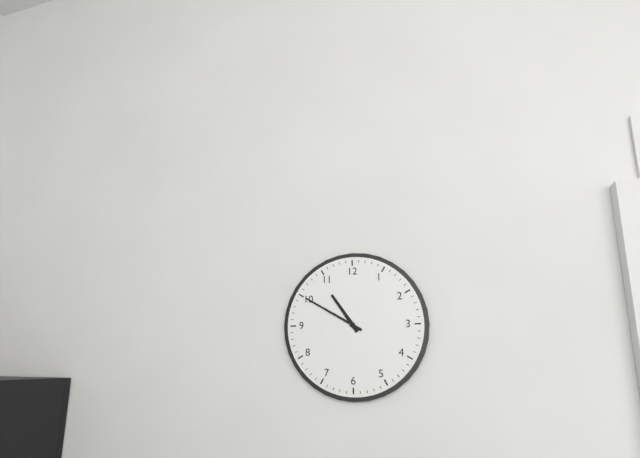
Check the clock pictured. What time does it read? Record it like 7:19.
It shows 10:50
